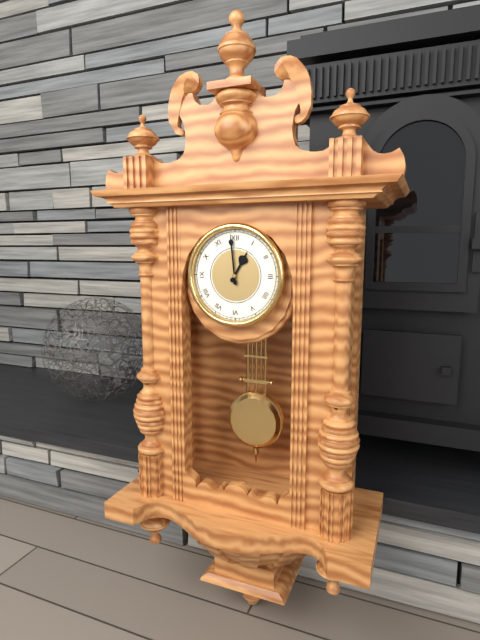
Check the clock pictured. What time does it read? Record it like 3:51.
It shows 12:59
